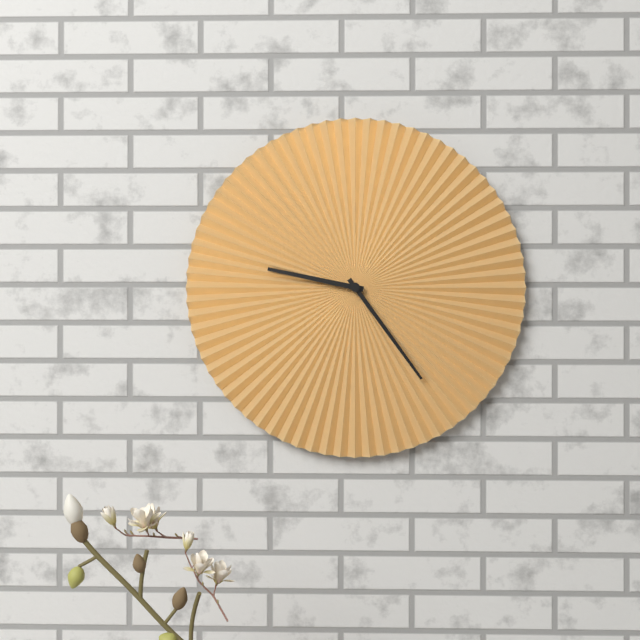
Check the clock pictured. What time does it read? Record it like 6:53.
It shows 9:24
